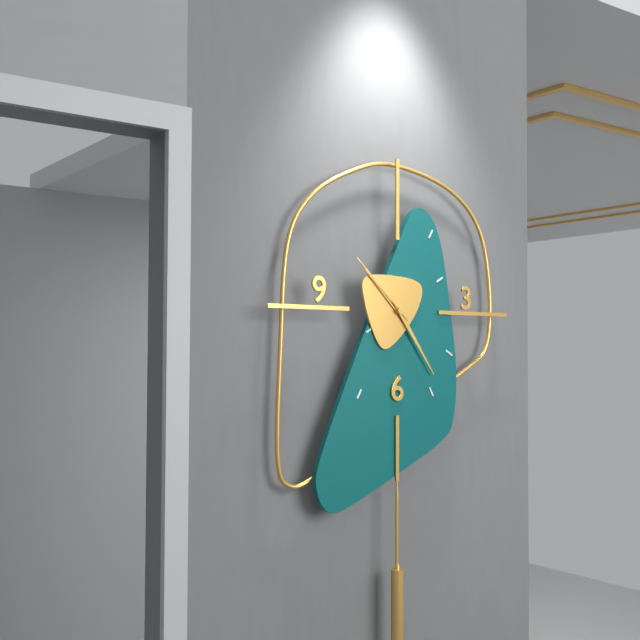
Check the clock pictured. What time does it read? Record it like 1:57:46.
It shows 10:24:52
